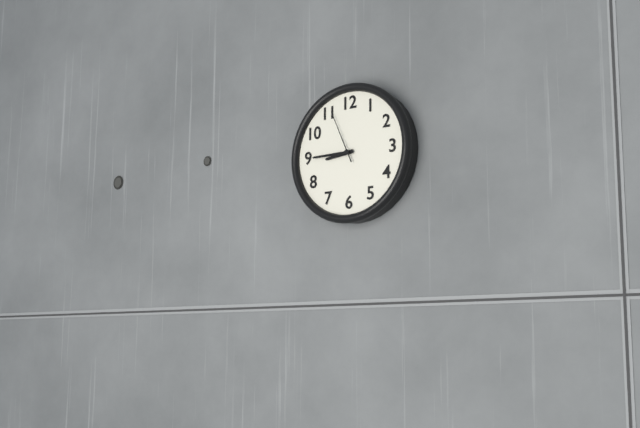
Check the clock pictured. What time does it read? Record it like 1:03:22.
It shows 8:45:56
